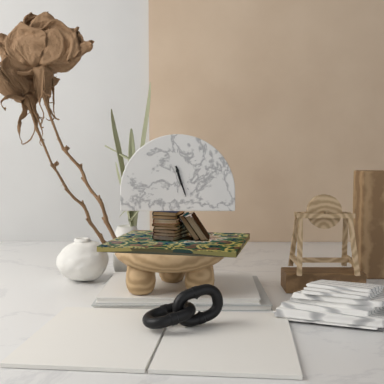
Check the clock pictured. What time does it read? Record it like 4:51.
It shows 5:27
